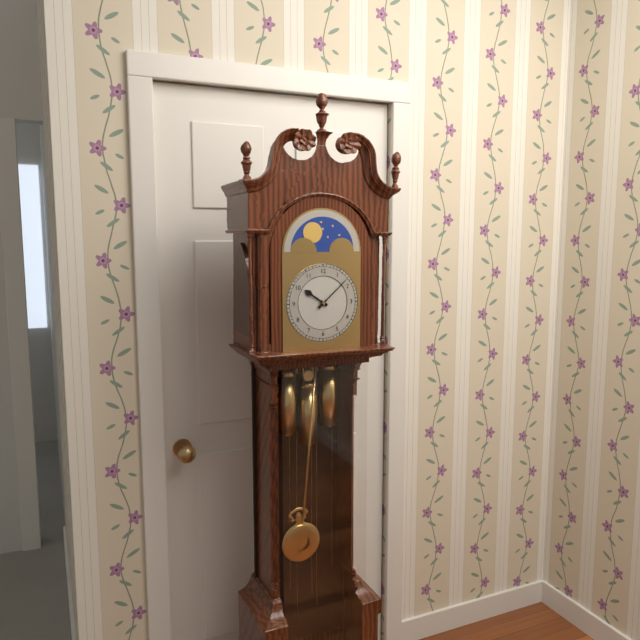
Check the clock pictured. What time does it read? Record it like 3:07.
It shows 10:08
